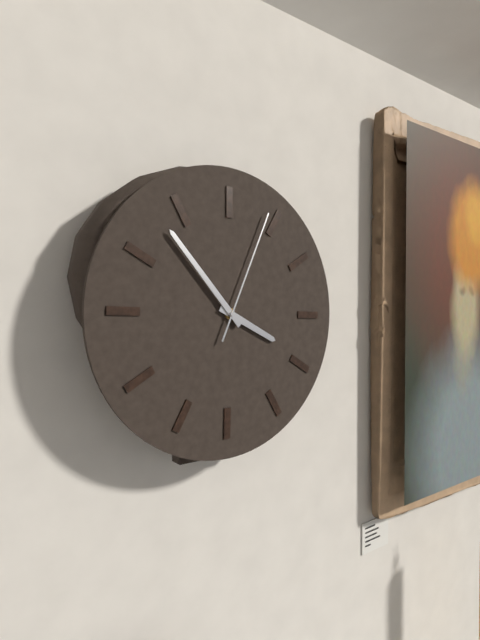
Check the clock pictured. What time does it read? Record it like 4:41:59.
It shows 3:53:04
